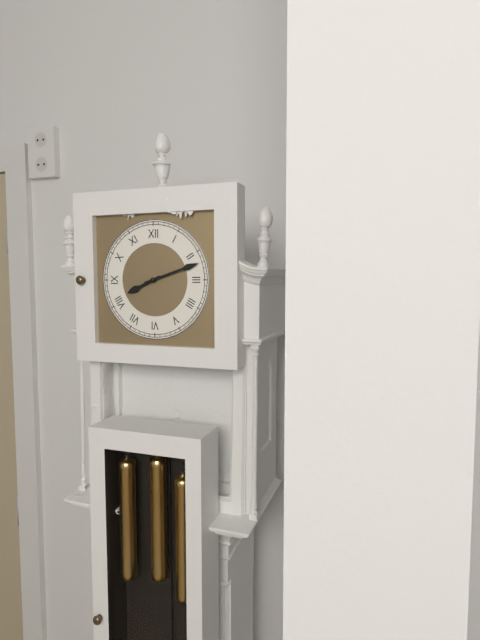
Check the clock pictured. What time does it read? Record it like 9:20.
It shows 8:12
